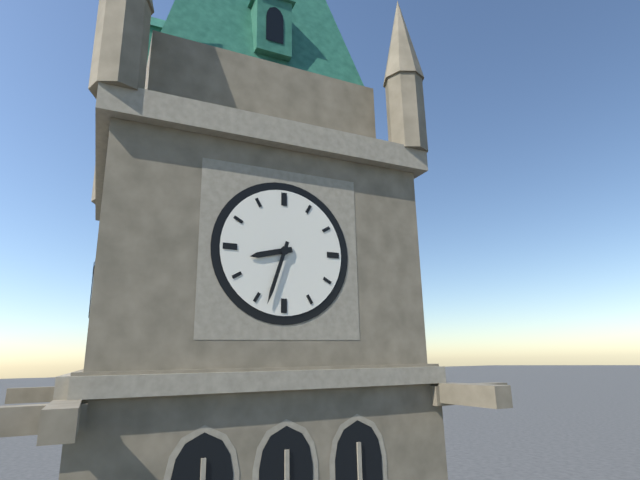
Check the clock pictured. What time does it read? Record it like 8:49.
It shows 8:33
